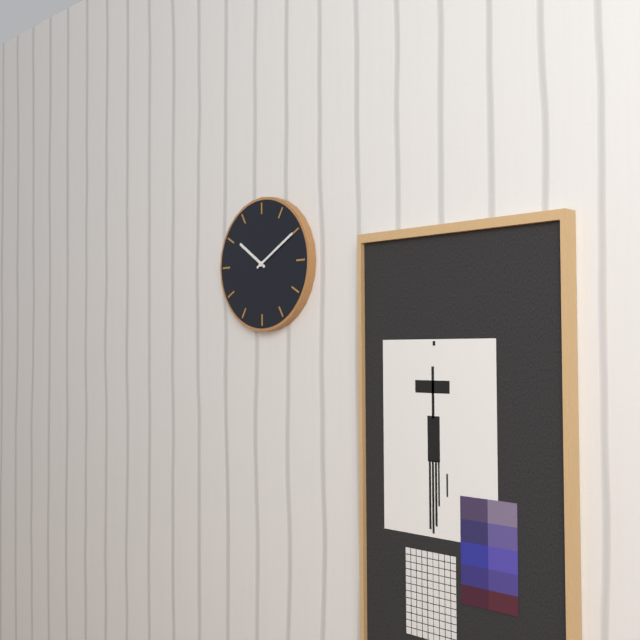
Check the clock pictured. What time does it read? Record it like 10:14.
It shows 10:10
